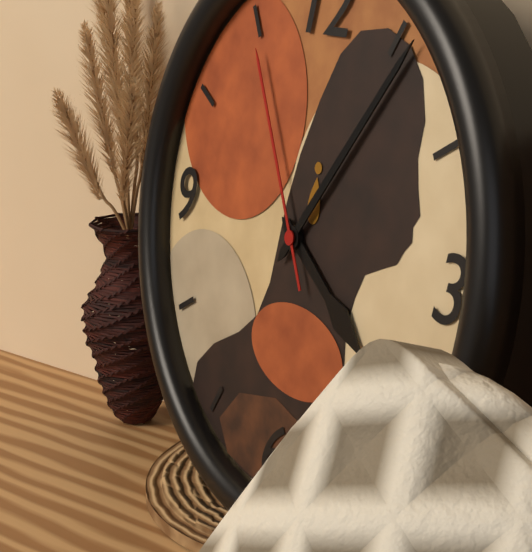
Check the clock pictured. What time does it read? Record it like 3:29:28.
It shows 4:06:55
